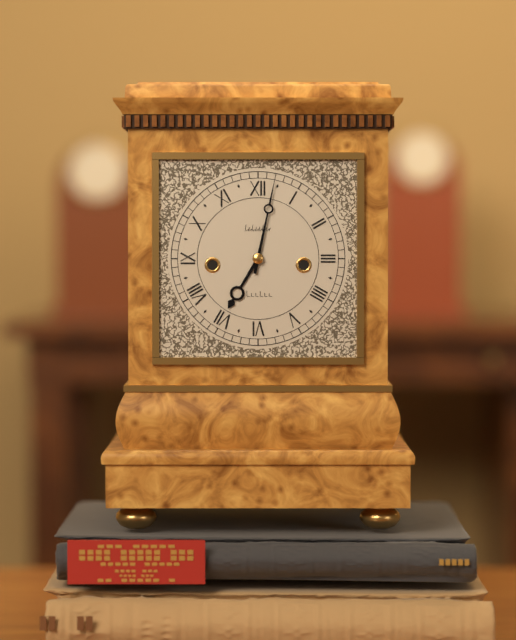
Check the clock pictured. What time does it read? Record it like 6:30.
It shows 7:02
